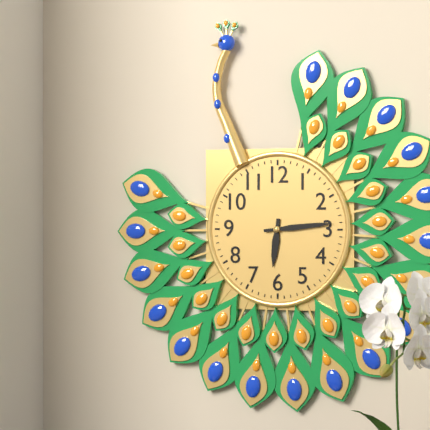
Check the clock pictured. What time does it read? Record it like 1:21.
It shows 6:14
